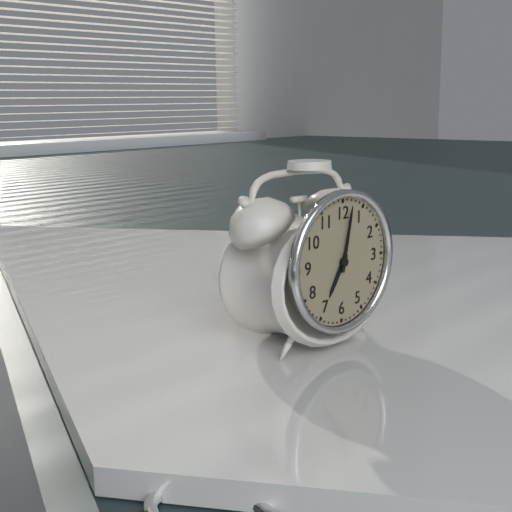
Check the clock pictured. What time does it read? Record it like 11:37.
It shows 7:02
